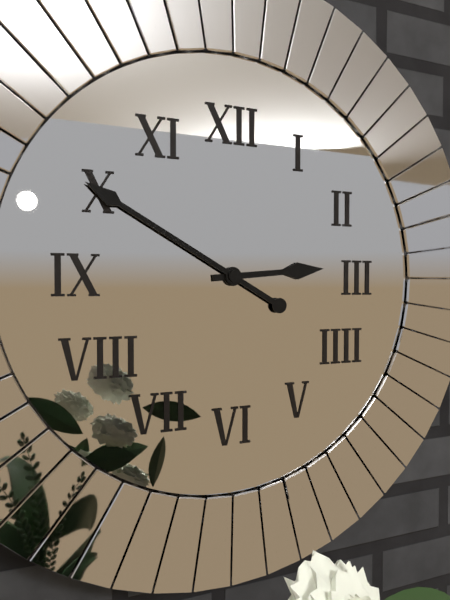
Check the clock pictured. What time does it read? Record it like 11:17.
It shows 2:50
